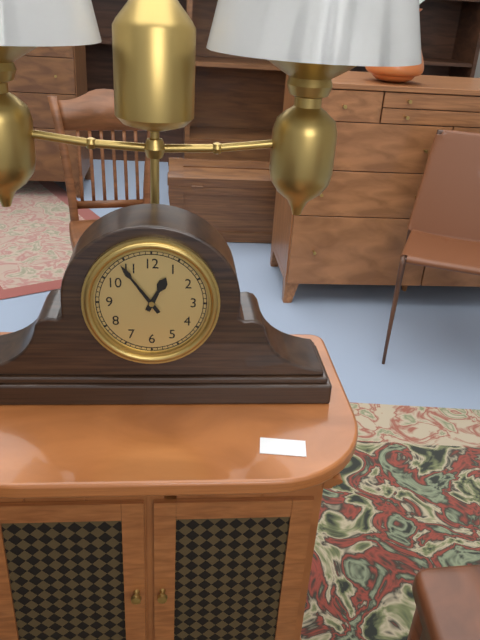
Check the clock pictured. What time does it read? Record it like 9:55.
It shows 12:54
